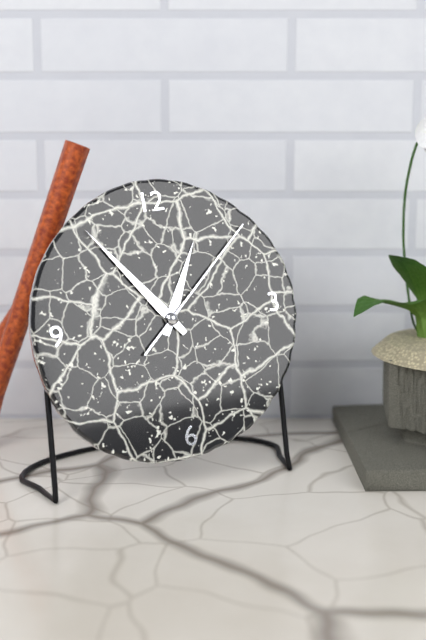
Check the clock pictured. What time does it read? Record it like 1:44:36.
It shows 12:54:08
